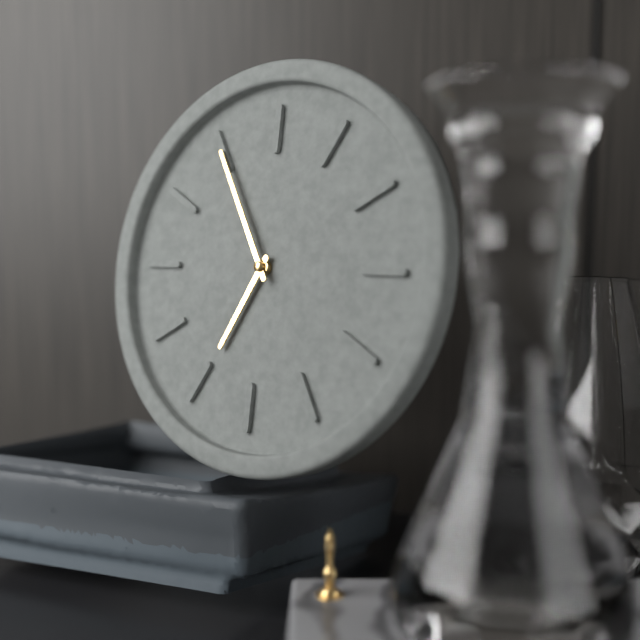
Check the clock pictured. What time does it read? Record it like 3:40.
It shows 6:55
